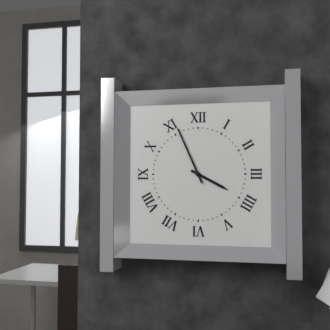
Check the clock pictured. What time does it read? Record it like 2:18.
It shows 3:56
